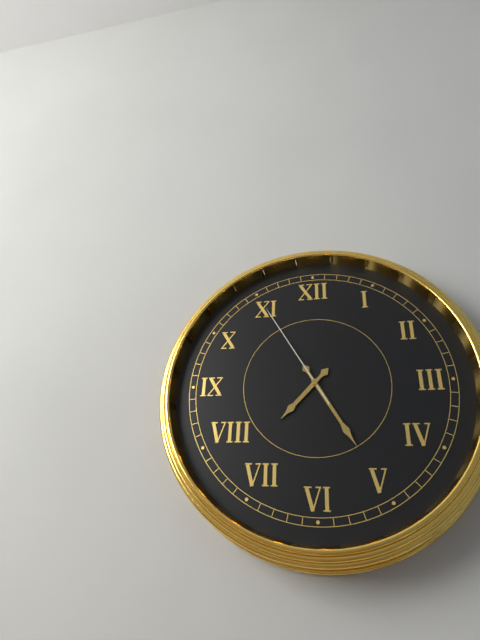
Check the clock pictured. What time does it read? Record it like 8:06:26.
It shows 7:25:55
